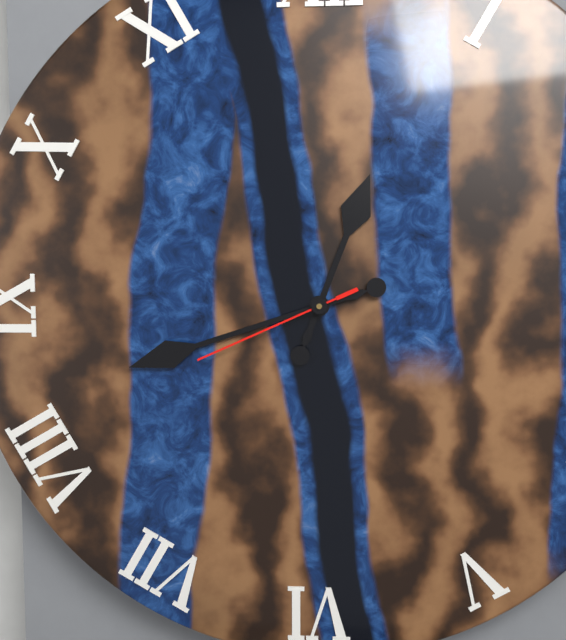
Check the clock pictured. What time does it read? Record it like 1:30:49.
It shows 12:42:41
